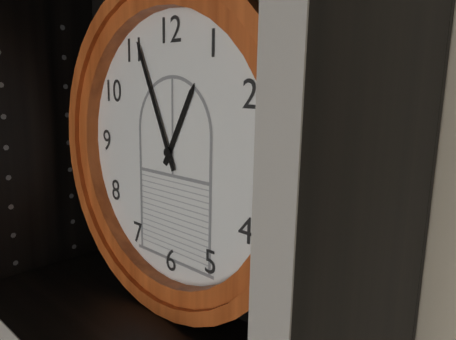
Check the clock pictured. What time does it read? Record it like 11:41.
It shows 12:56
